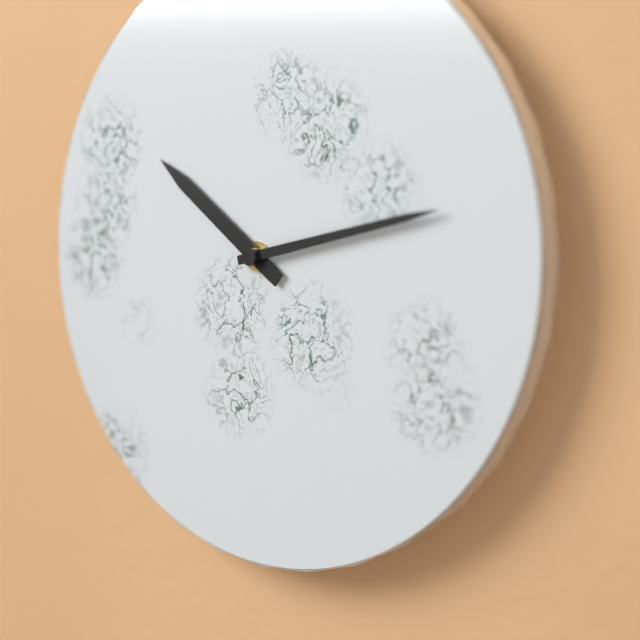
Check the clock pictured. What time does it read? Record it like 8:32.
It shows 10:13
